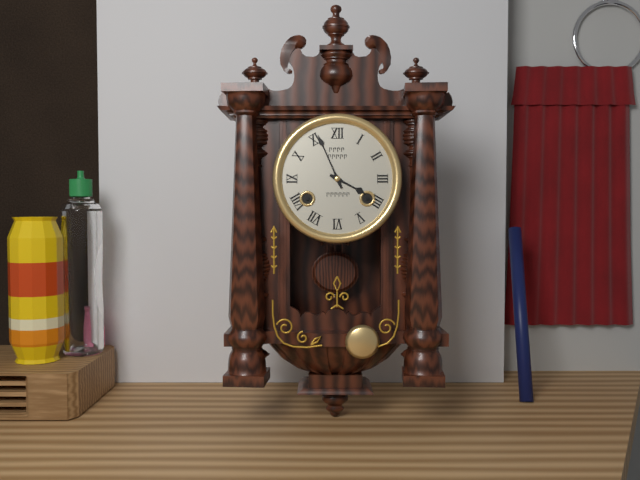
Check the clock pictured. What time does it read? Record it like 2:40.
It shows 3:56
